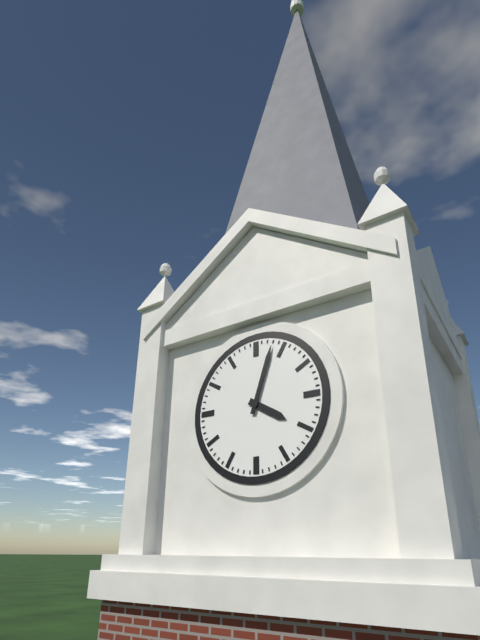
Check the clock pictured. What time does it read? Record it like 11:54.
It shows 4:03
